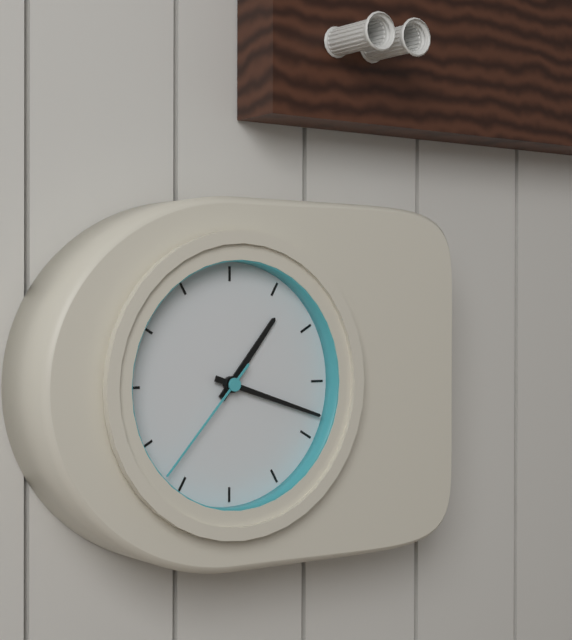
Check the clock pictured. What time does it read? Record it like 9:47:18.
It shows 1:18:37
